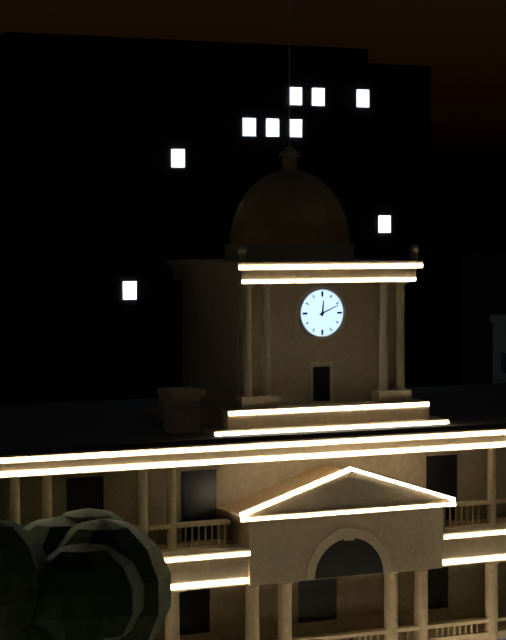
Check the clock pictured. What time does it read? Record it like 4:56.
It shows 12:11
